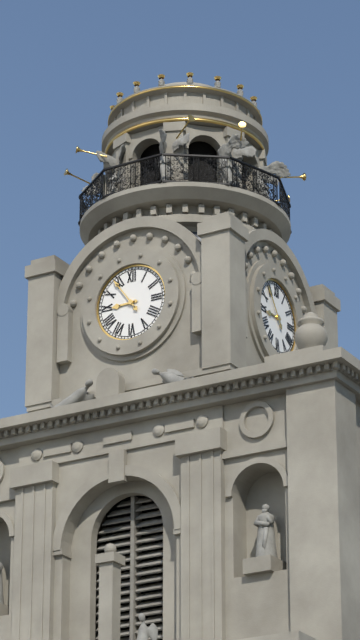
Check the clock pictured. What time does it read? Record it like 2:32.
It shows 8:54
